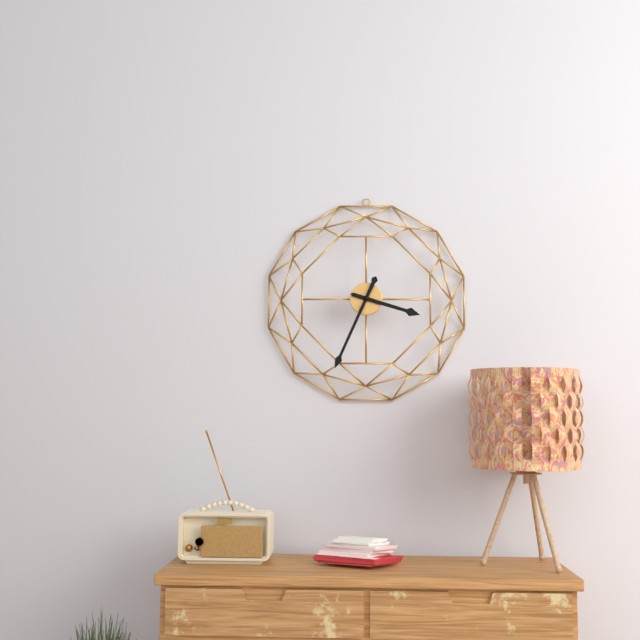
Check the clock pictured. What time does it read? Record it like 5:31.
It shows 3:34
